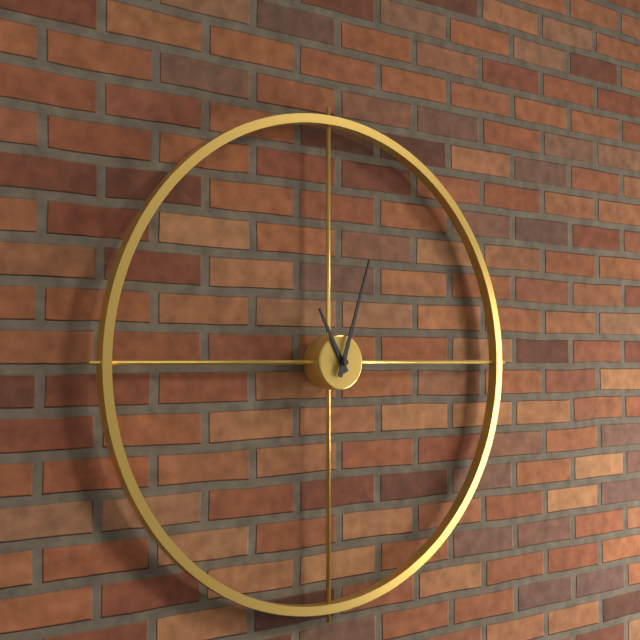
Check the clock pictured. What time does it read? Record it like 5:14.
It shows 11:03
